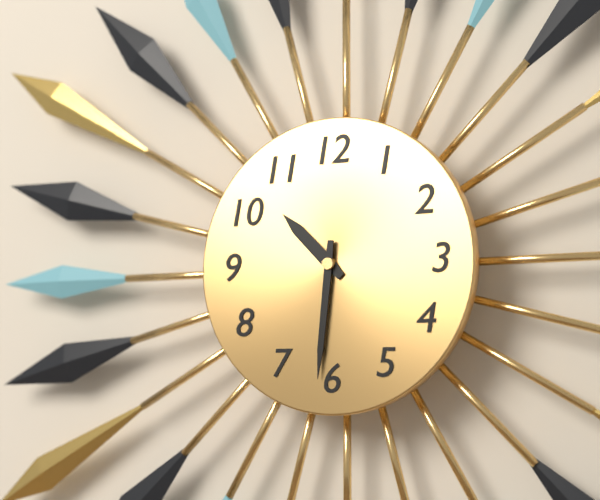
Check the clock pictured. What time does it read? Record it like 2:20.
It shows 10:31
